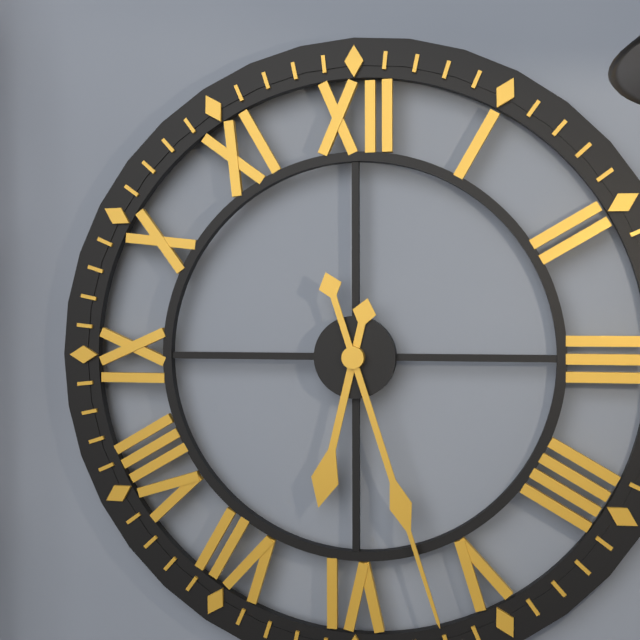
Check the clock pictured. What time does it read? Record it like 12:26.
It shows 6:27
